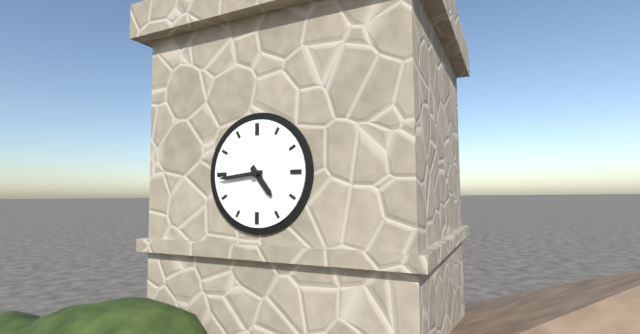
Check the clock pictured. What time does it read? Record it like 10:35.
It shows 4:44
